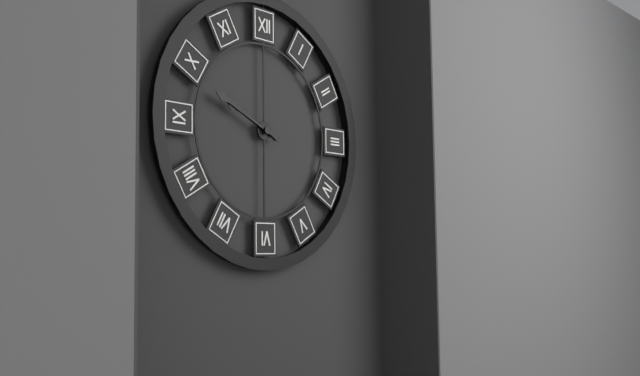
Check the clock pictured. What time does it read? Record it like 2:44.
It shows 9:49
